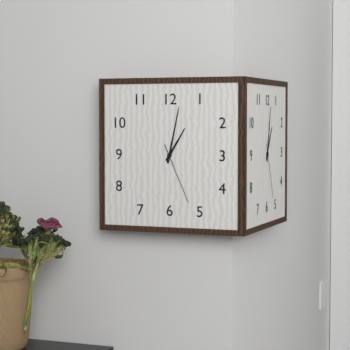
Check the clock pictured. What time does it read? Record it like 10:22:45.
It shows 1:02:26
